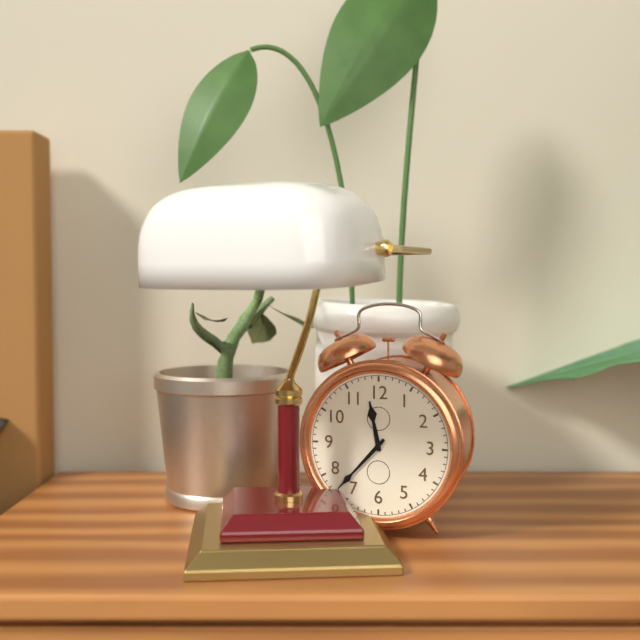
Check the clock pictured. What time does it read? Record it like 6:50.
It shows 11:37
